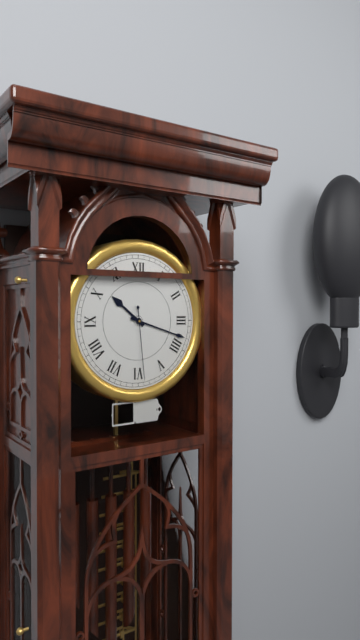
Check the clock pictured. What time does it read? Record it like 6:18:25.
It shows 10:18:29
